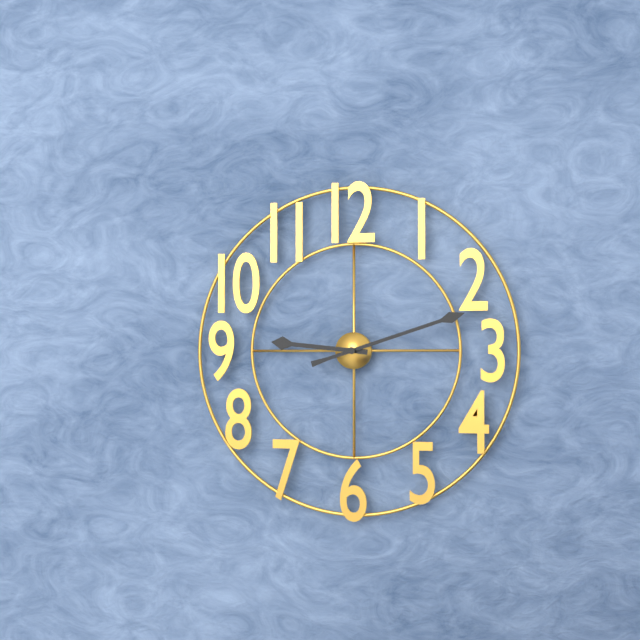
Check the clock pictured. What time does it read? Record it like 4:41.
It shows 9:12
